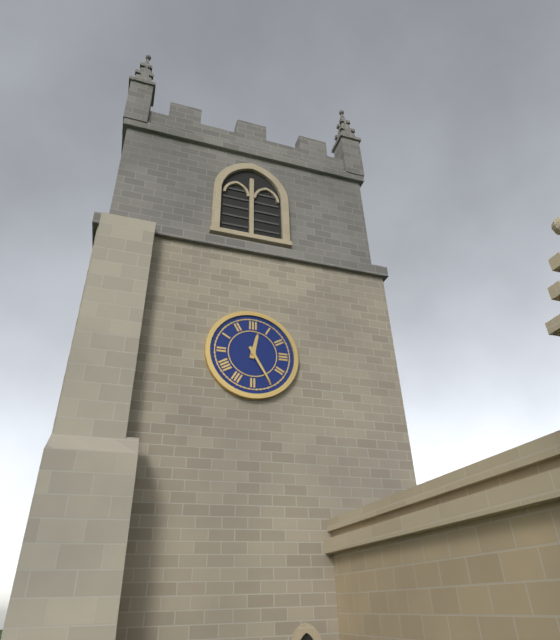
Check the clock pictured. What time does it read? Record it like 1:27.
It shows 12:25
